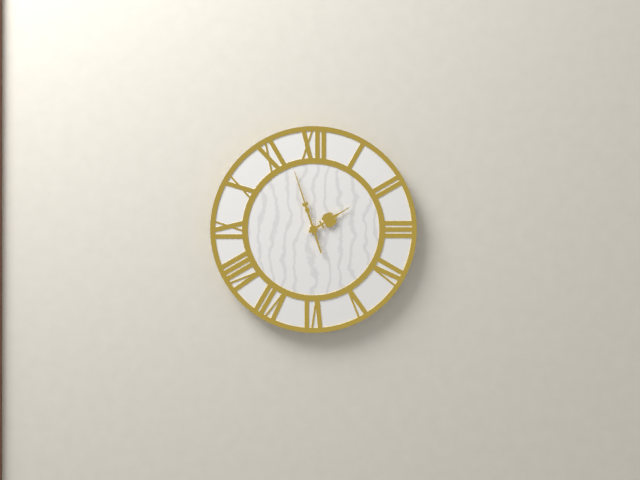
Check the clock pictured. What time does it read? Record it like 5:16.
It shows 1:57
